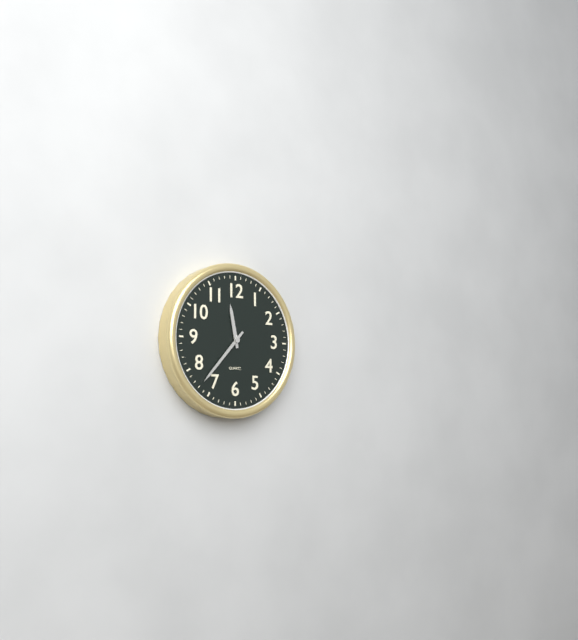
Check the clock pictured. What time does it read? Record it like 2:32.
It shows 11:37
